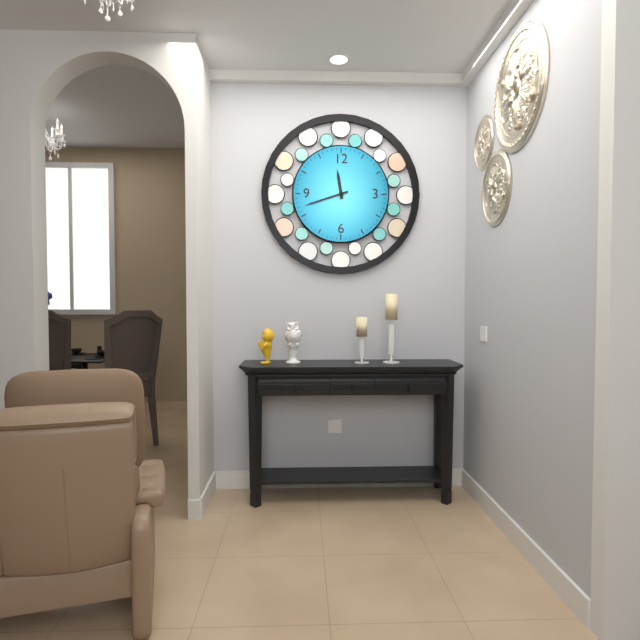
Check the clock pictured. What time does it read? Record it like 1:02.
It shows 11:42
